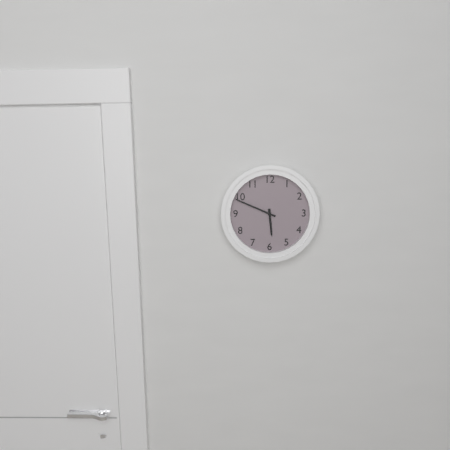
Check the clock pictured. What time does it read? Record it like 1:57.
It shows 5:49
